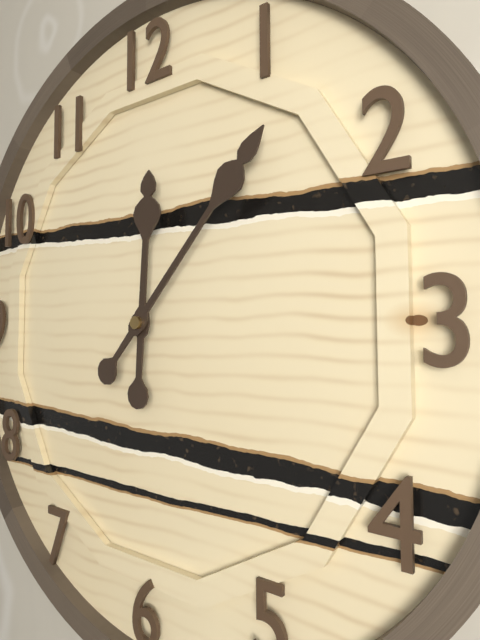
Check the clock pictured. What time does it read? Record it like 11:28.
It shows 12:07
